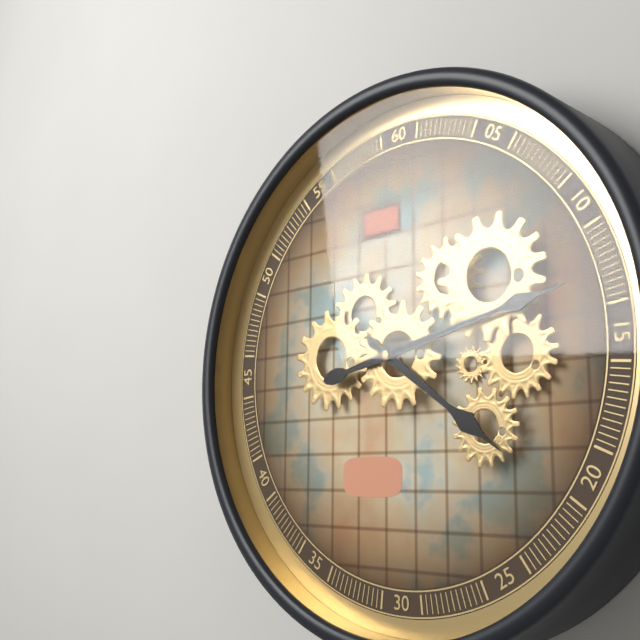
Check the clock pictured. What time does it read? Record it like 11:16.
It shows 4:13
